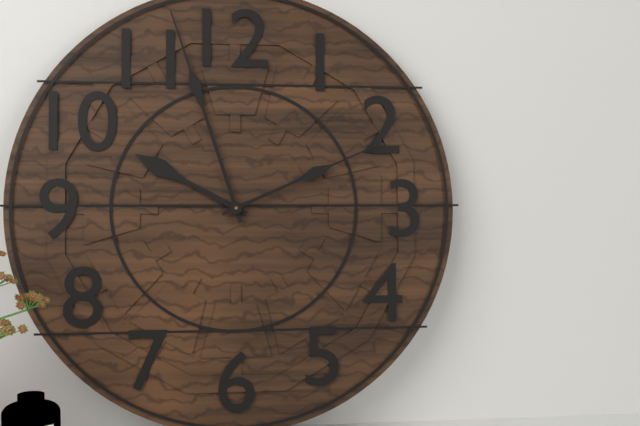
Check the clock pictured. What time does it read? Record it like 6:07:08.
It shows 9:57:11
